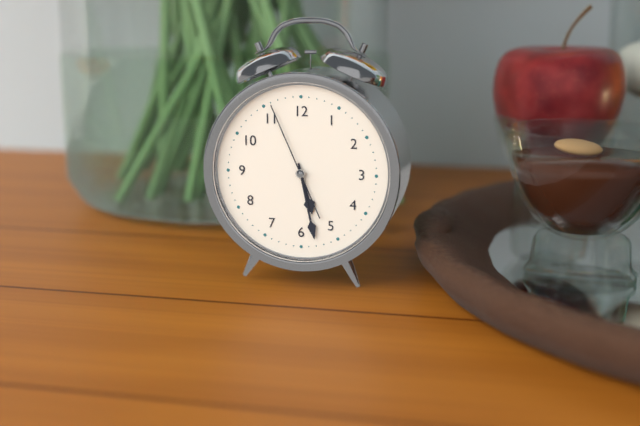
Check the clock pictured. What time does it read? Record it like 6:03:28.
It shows 5:28:56
